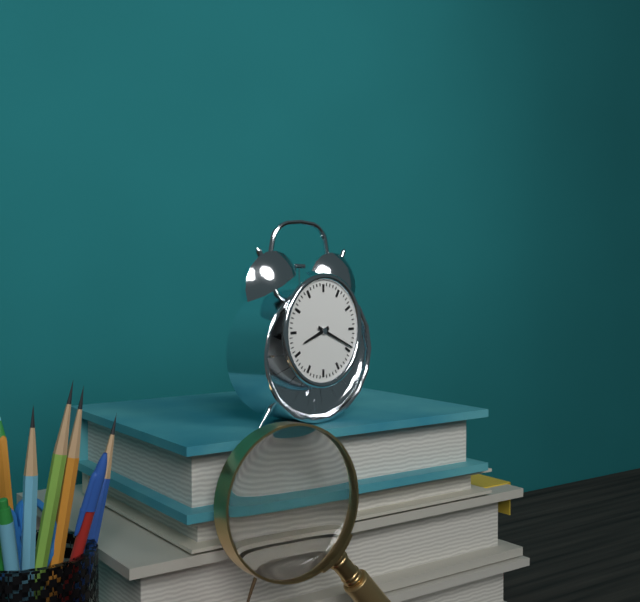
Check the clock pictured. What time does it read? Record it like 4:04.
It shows 8:19
